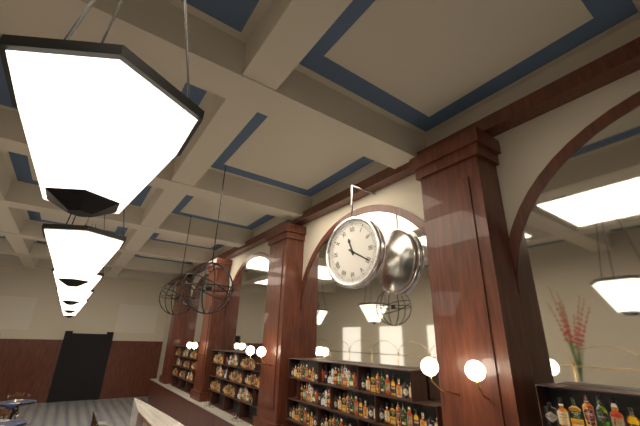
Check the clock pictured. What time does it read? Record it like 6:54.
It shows 11:20
